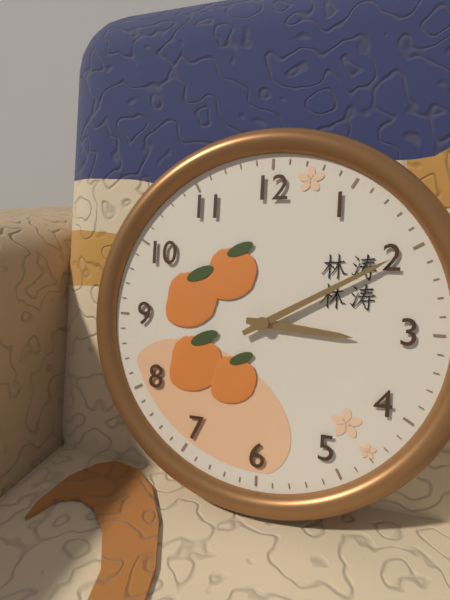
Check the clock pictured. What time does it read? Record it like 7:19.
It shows 3:10
